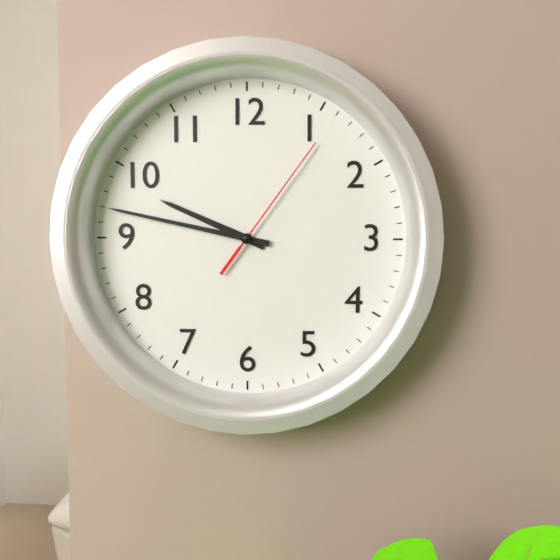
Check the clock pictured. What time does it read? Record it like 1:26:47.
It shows 9:47:06
